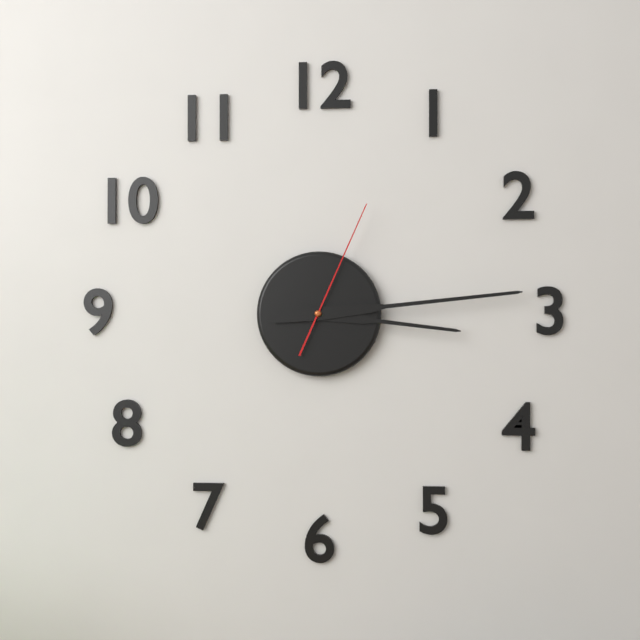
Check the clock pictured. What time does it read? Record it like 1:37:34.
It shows 3:14:04
